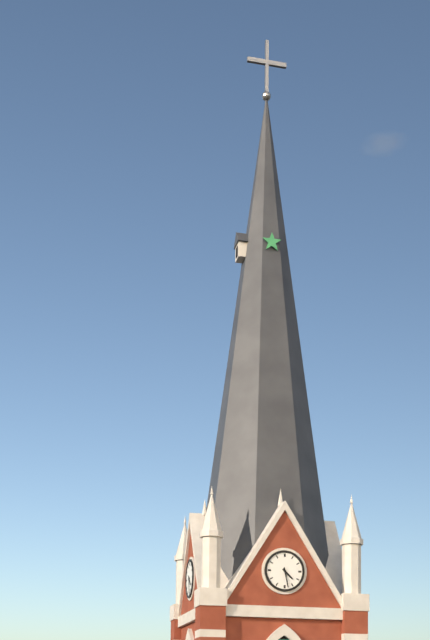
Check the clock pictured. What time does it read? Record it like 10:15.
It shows 4:28
